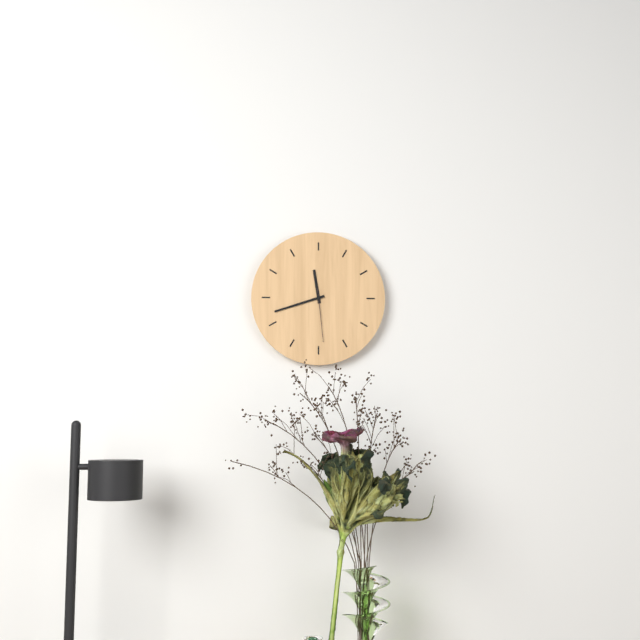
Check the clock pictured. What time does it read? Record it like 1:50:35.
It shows 11:42:29
